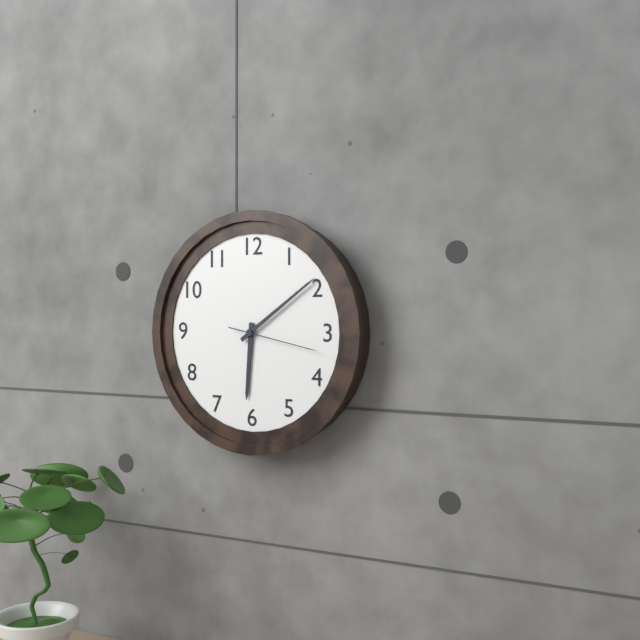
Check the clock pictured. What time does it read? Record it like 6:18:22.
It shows 6:09:17
